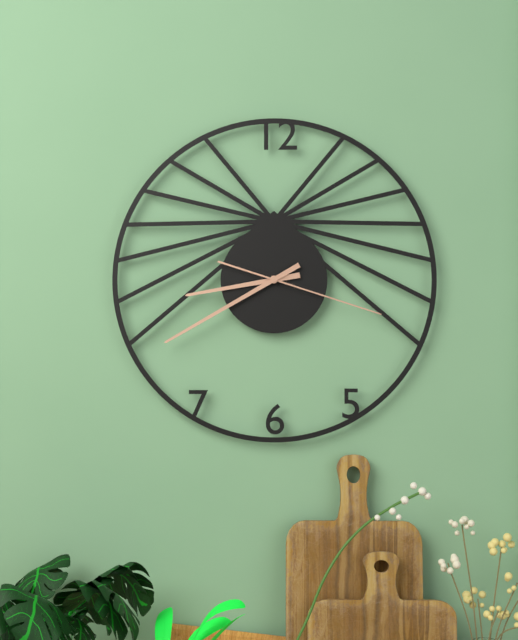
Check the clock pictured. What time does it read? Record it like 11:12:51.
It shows 8:40:18
